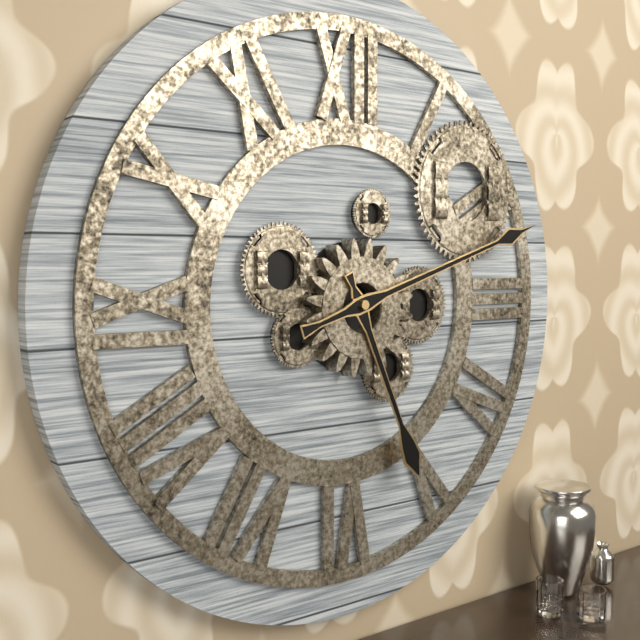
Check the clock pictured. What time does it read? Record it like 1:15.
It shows 5:12
